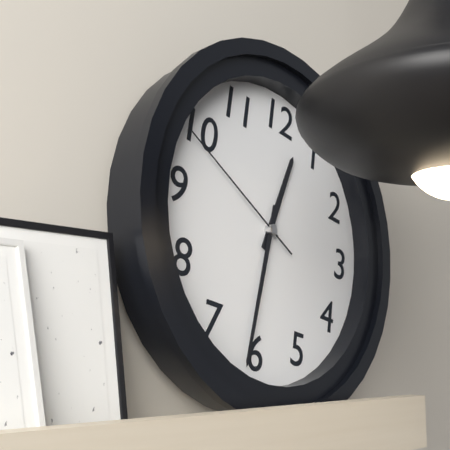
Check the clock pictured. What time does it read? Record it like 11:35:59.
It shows 12:31:49
